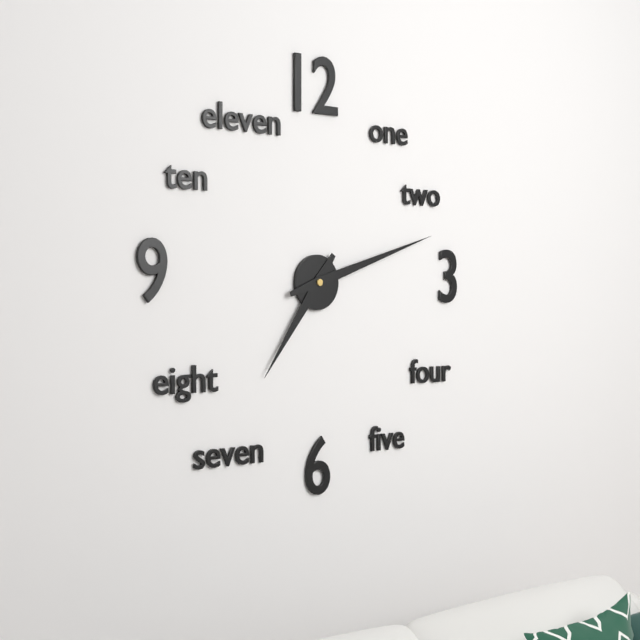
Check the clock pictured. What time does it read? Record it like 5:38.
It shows 7:12
